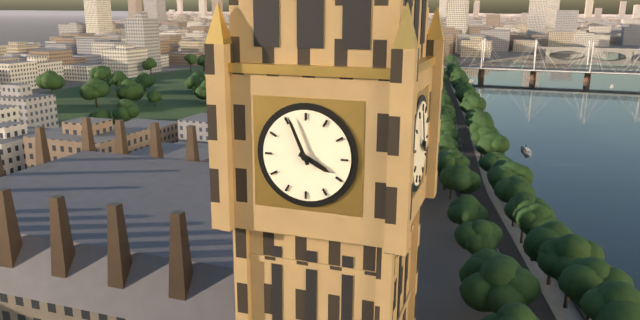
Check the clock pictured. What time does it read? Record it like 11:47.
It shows 3:56
